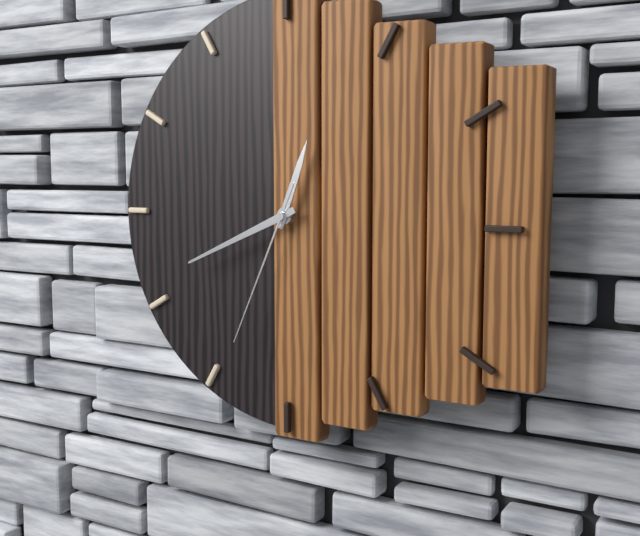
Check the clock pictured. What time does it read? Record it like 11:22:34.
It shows 12:41:34
